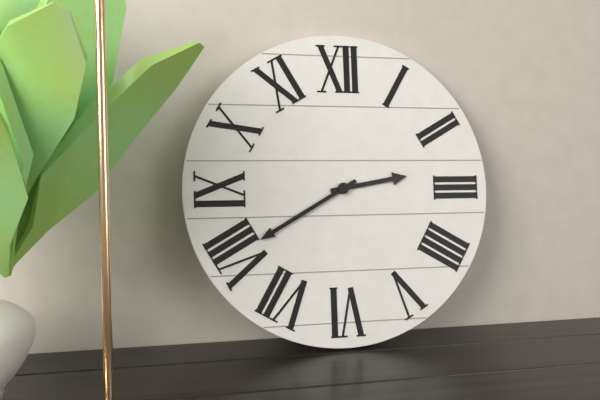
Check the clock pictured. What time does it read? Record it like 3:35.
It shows 2:40
